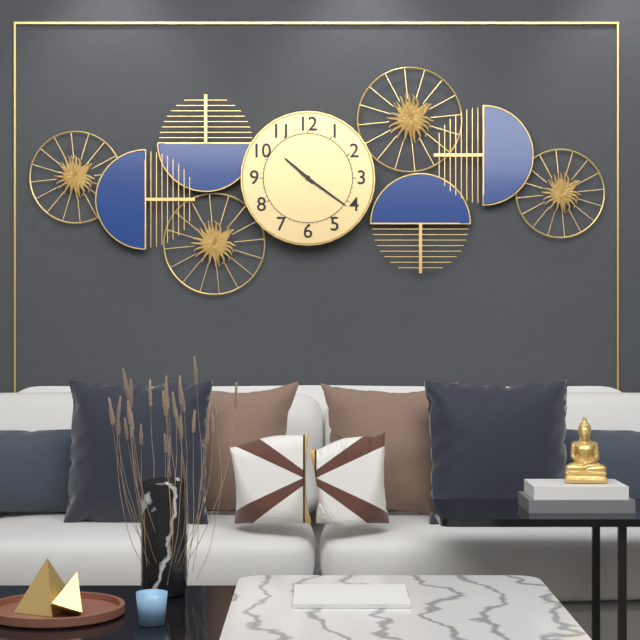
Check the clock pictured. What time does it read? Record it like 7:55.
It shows 10:21
